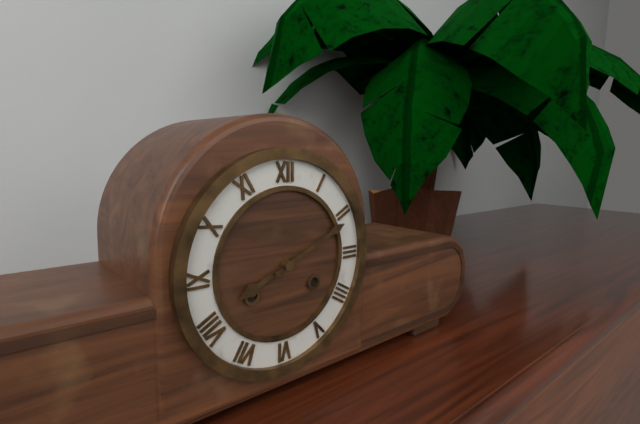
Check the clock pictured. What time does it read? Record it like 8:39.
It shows 8:11
